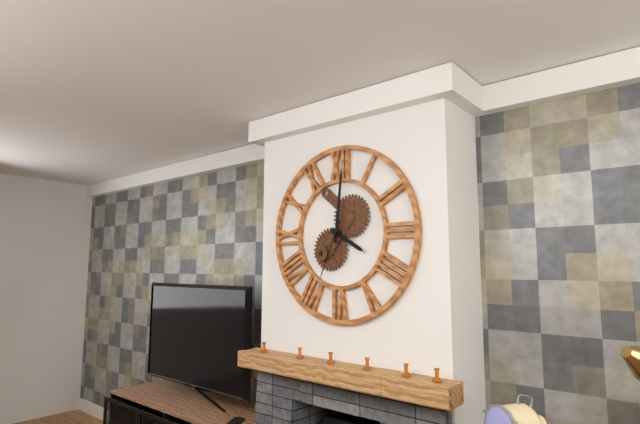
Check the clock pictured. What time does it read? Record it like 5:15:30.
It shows 4:01:34
